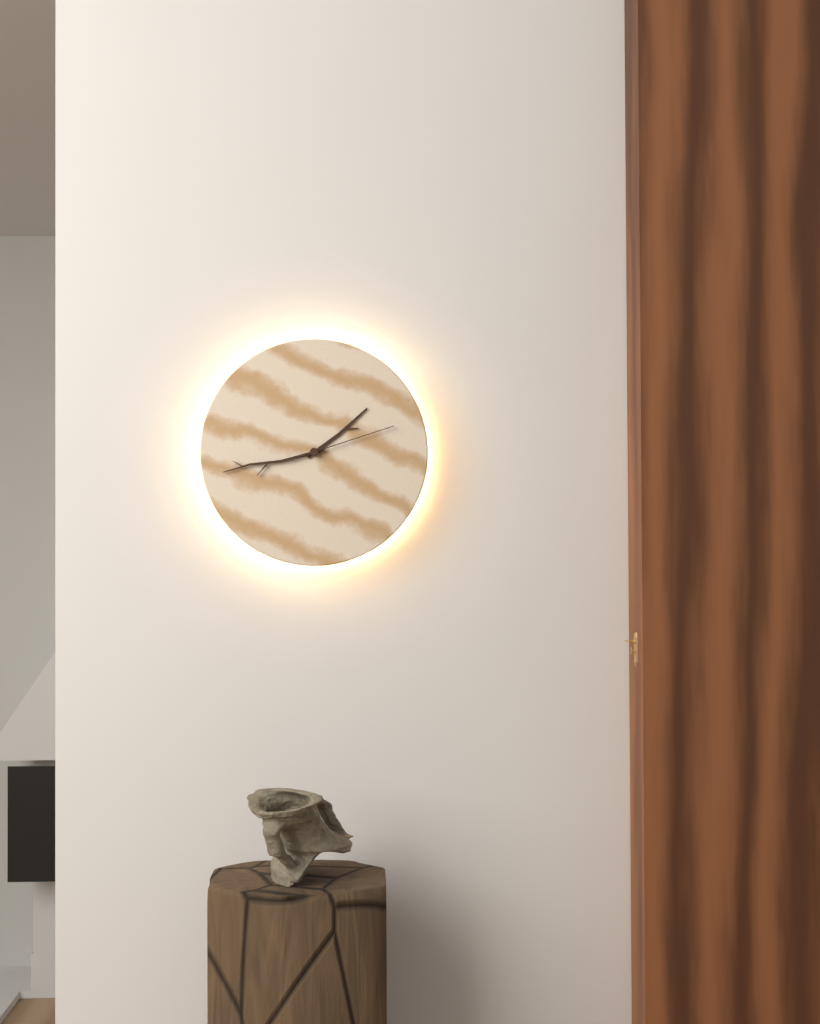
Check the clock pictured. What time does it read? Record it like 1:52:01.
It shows 1:43:12
